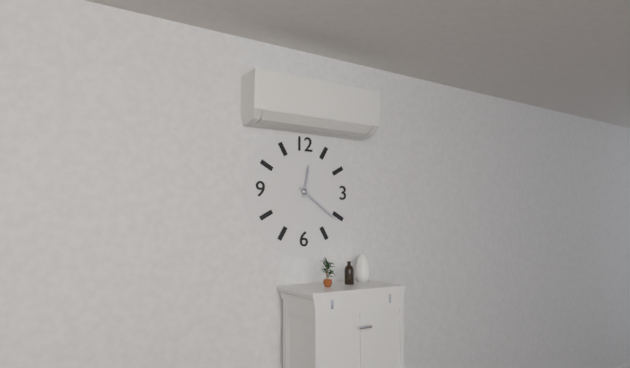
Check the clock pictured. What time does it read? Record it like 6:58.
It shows 12:21
